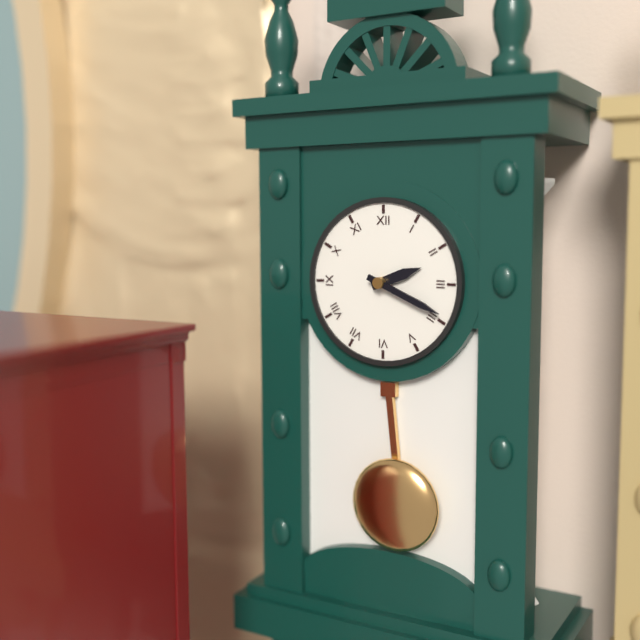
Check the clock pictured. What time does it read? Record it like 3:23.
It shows 2:19
